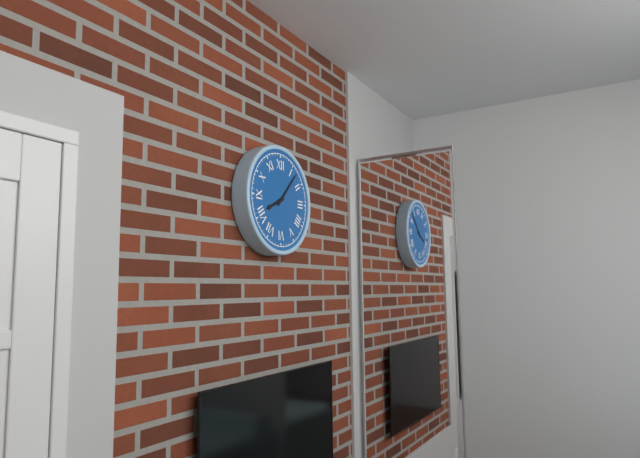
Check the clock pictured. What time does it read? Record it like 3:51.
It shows 8:07
